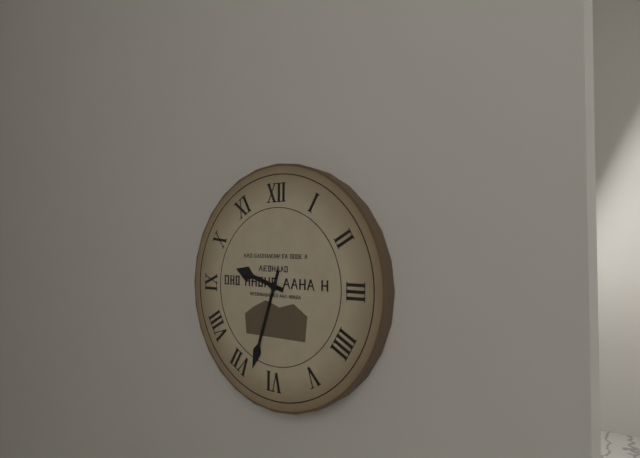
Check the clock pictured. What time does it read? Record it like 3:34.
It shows 9:33
